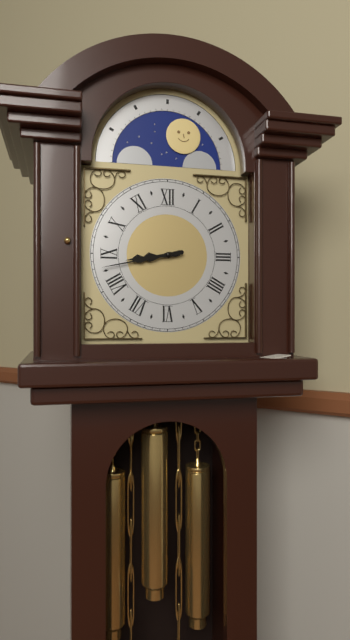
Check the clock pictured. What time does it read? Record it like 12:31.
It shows 8:43
